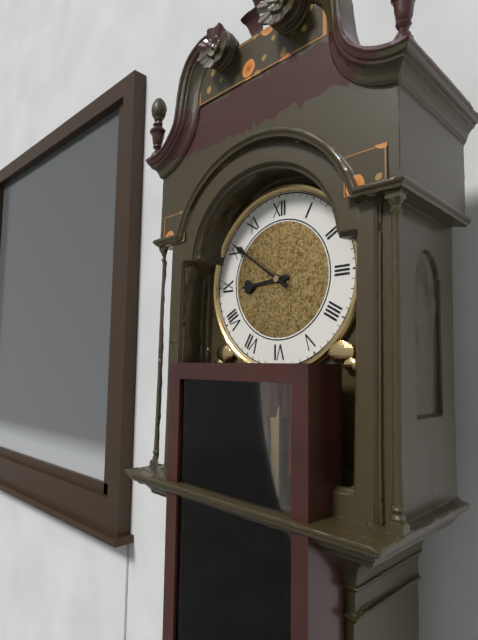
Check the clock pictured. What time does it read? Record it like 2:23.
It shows 8:51
